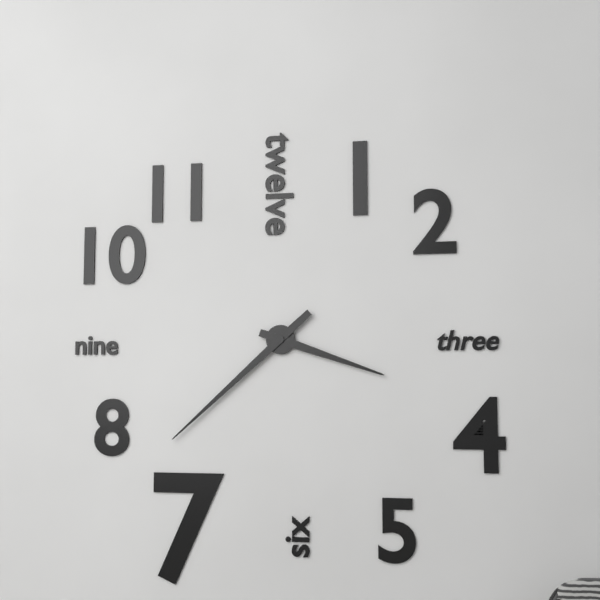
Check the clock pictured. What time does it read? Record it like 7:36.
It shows 3:38
